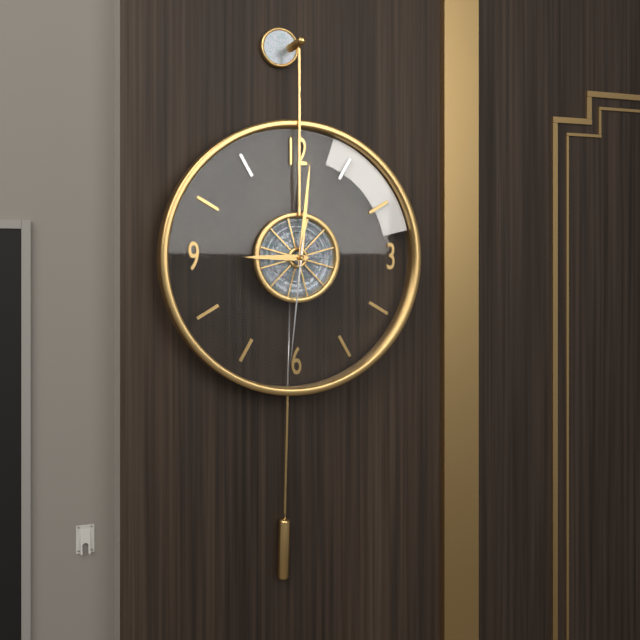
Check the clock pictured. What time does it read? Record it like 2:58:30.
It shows 9:01:31
